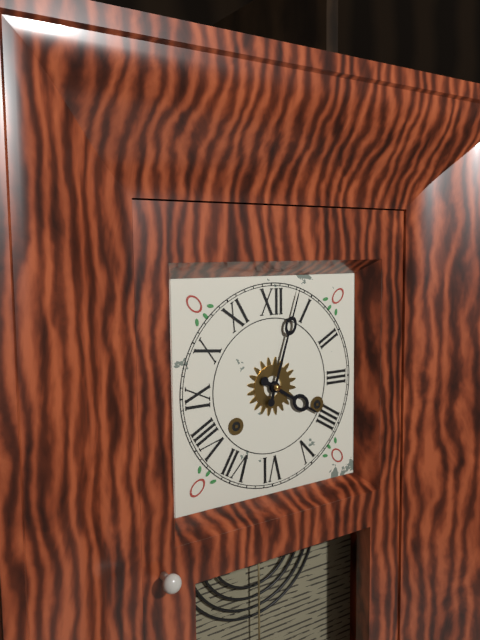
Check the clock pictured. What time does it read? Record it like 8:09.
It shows 4:03
